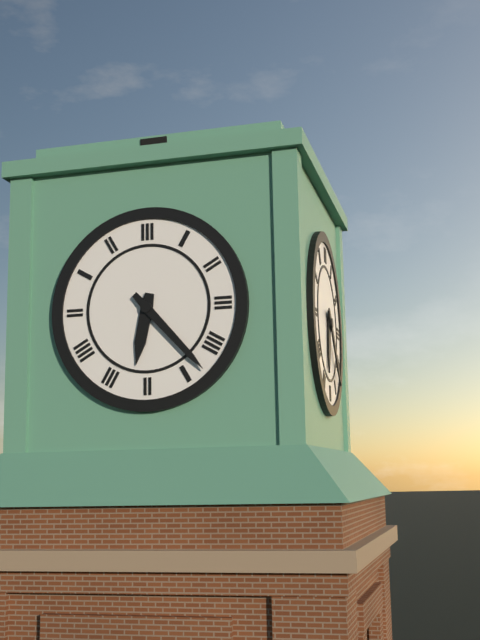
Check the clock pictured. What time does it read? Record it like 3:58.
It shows 6:23
